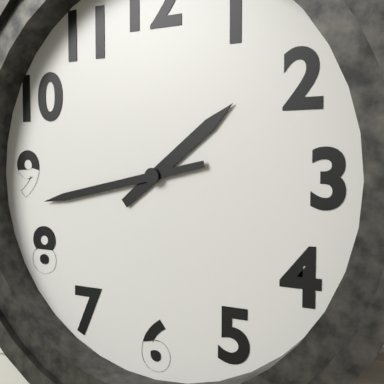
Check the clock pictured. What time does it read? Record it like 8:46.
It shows 1:43
